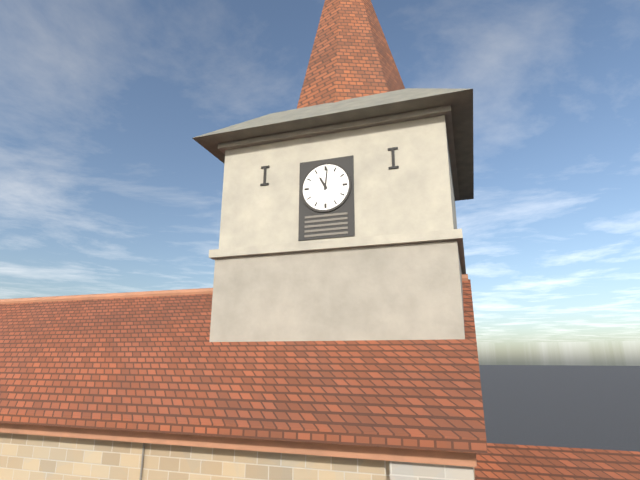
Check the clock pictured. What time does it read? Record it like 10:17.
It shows 11:01
